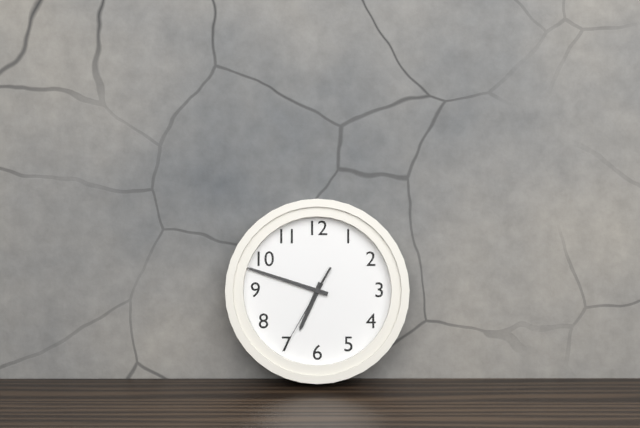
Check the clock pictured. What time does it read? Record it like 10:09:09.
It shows 6:48:35
